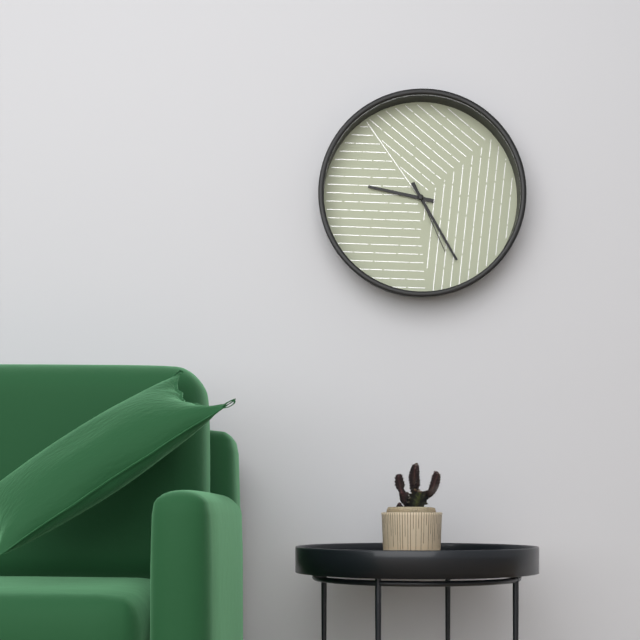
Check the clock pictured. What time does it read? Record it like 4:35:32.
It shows 9:25:26
